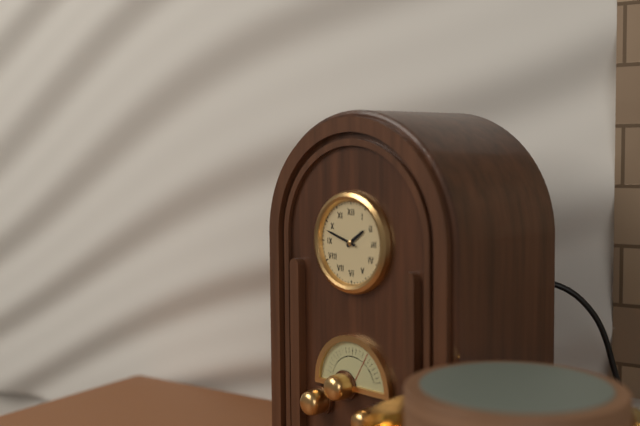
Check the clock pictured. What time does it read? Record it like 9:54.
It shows 1:48
